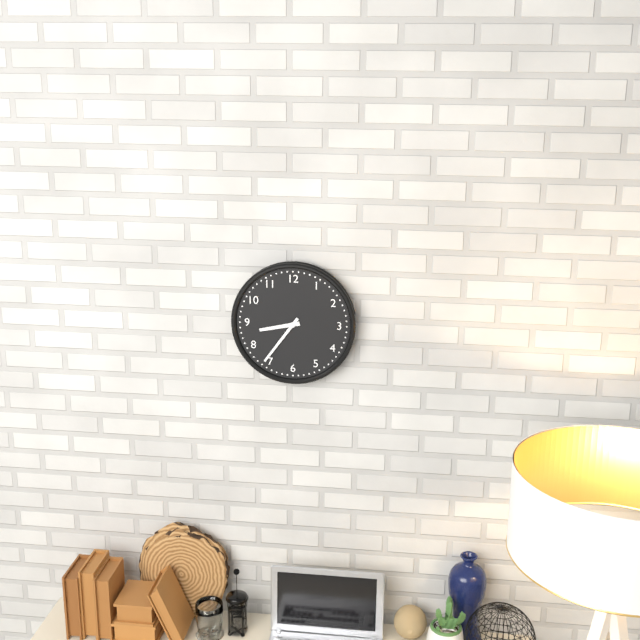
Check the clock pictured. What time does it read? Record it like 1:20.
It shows 8:36
